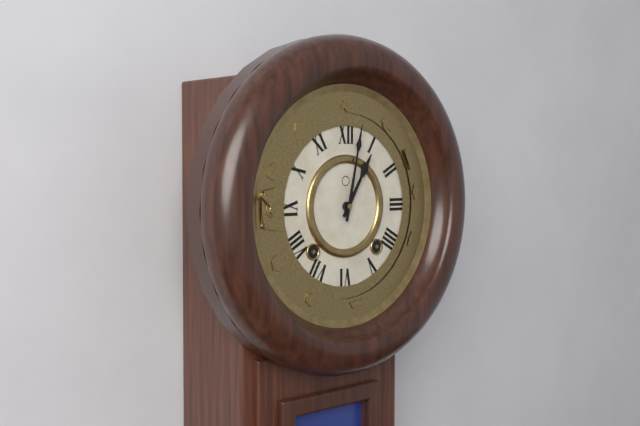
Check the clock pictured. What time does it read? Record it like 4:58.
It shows 1:02
